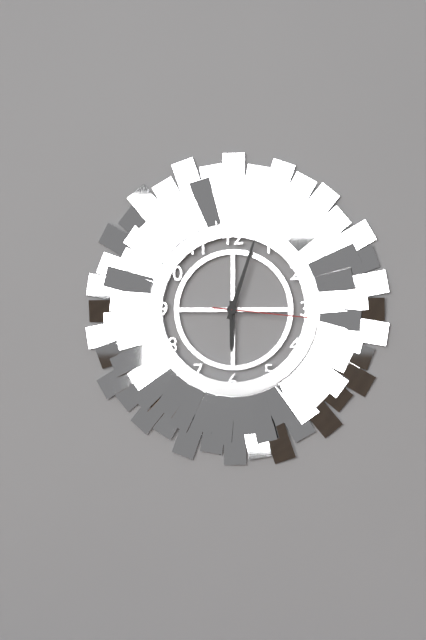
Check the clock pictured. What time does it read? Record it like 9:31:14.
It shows 6:03:16
